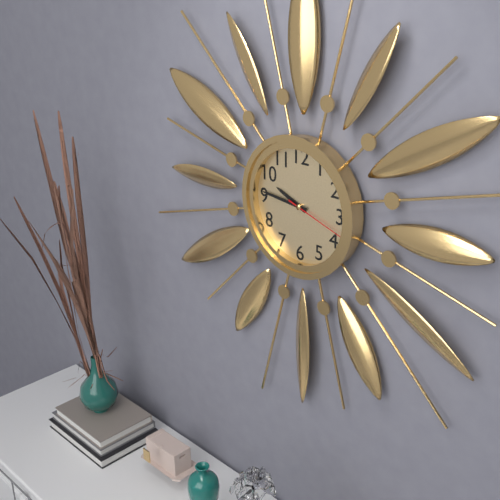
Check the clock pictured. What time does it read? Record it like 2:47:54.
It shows 9:46:18
